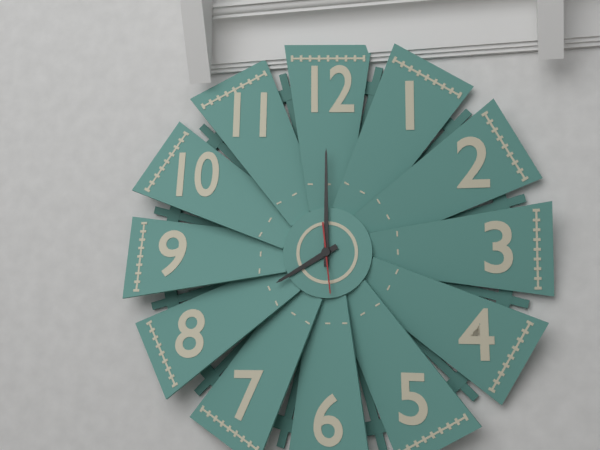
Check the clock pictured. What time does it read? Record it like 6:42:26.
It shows 8:00:29
